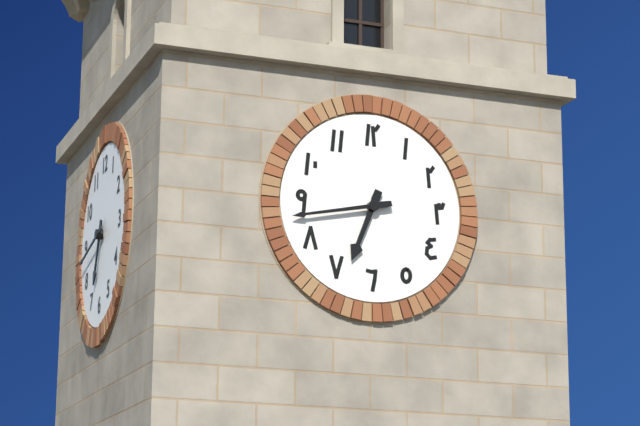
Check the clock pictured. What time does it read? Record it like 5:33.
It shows 6:43
